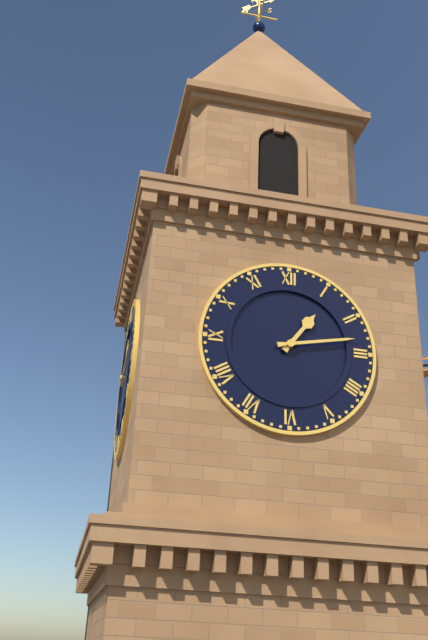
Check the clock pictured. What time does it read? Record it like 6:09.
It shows 1:13
